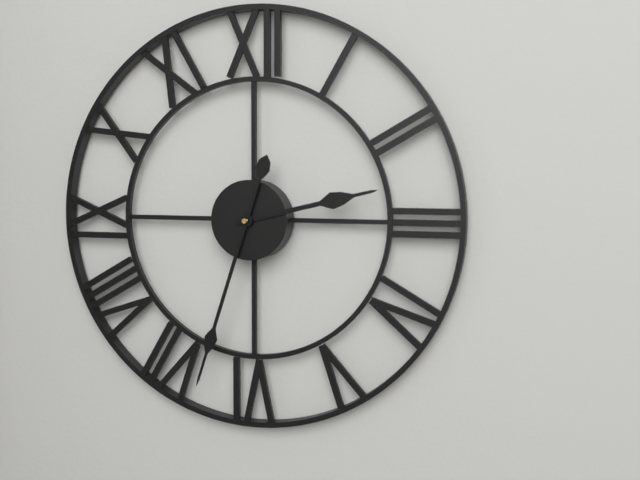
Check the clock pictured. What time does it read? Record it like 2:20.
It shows 2:33
